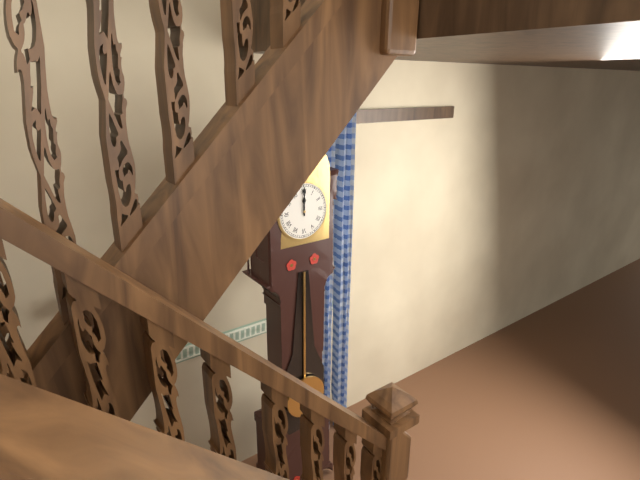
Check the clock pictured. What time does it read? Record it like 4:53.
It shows 12:00
